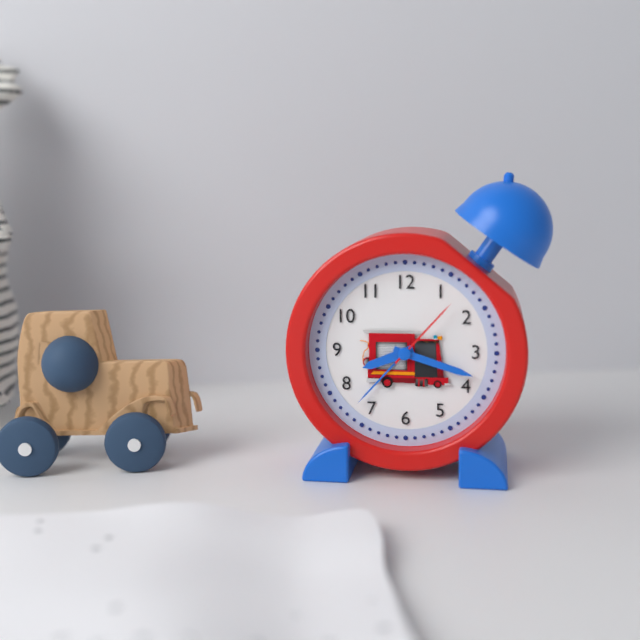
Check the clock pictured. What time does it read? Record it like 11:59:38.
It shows 8:18:07
